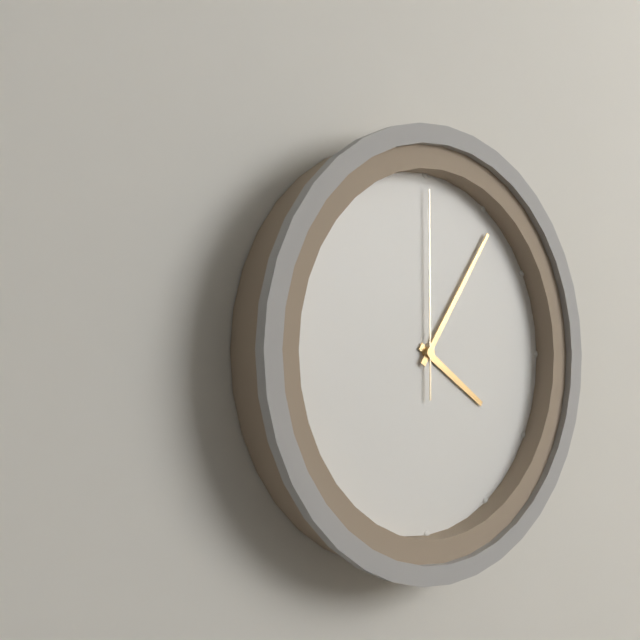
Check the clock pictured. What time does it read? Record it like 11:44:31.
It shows 4:06:00
